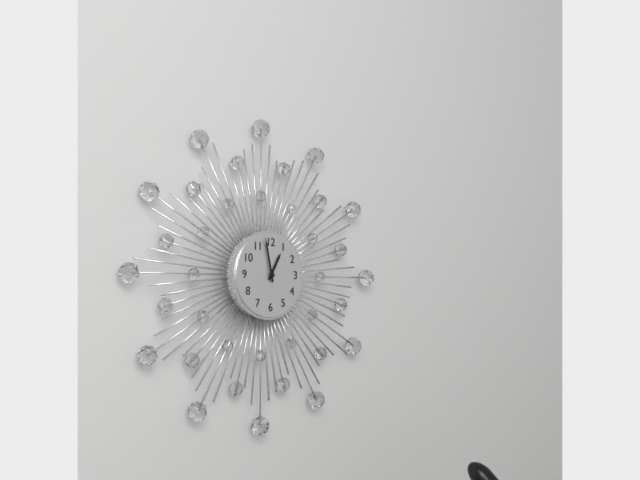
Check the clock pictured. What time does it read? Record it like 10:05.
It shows 12:58
